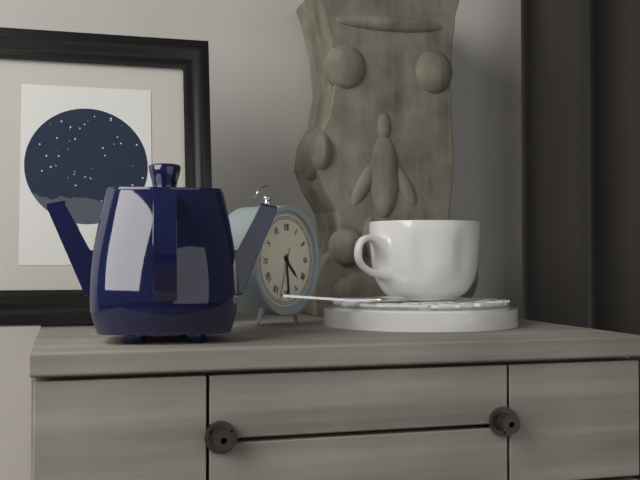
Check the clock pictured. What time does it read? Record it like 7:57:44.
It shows 4:29:33
